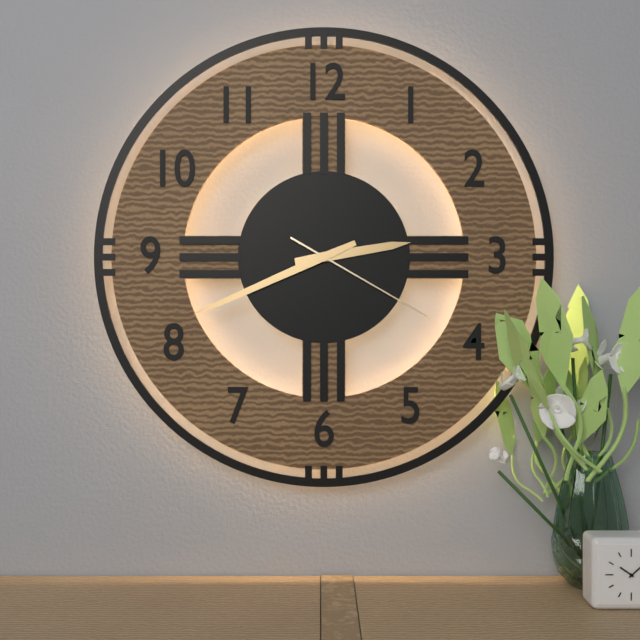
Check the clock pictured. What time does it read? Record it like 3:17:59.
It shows 2:41:20
